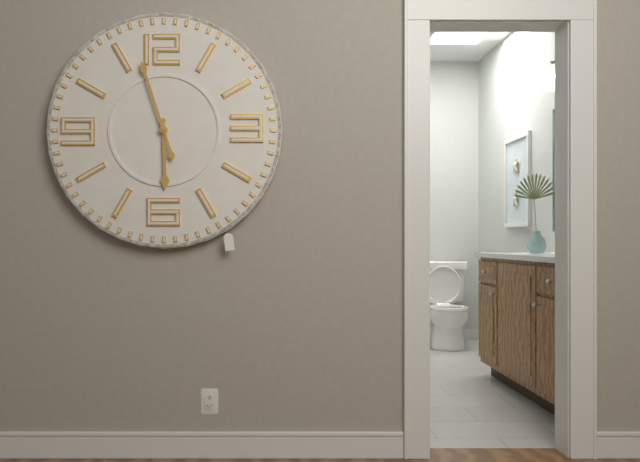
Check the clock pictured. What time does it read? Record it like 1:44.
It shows 5:57
